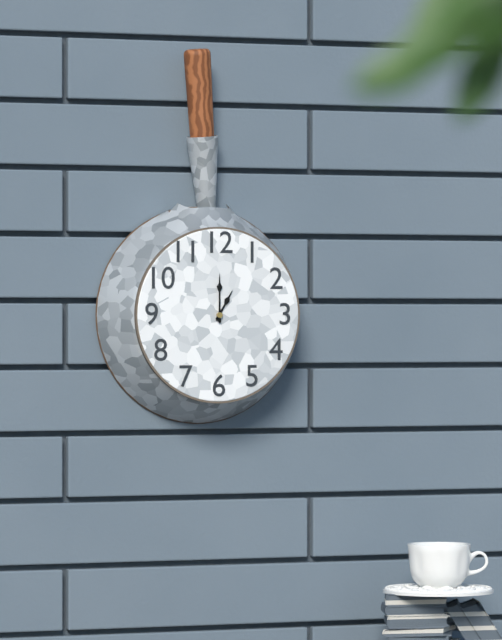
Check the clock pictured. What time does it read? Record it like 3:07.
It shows 1:00
